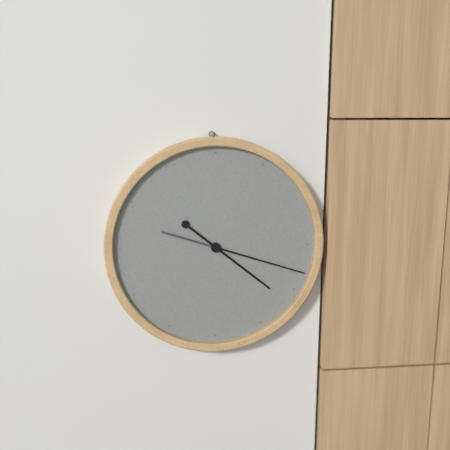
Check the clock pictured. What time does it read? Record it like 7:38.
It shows 4:18
